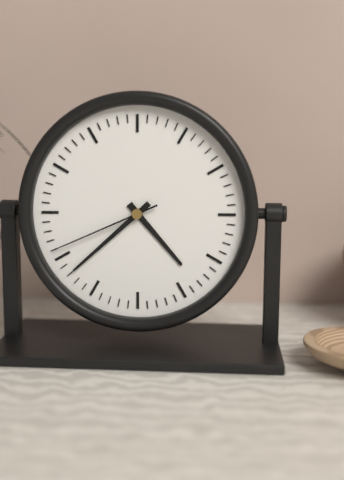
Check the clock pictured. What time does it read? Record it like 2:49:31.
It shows 4:38:41
